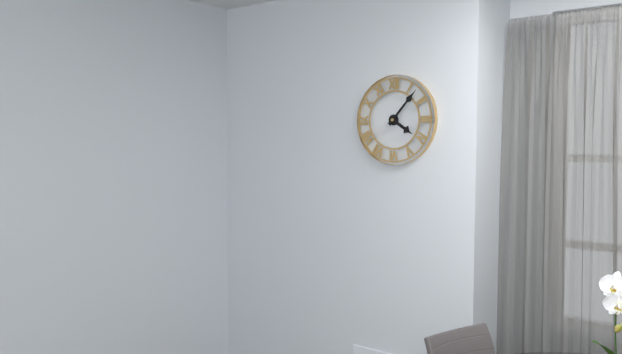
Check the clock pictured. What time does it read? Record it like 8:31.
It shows 4:07
